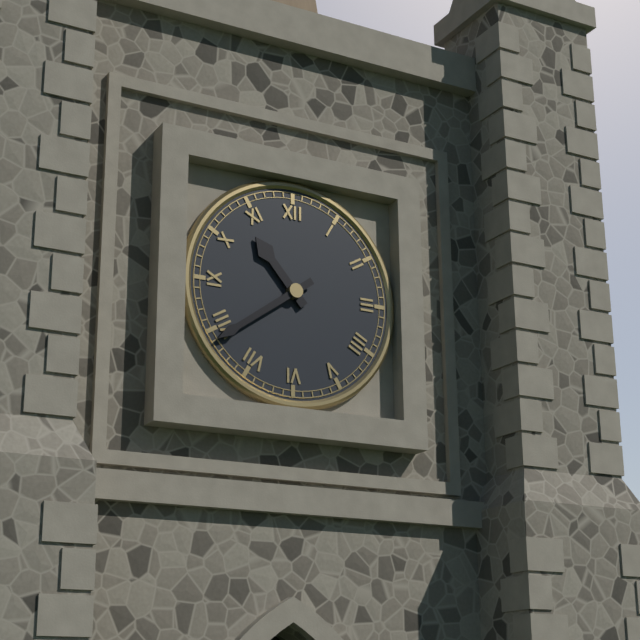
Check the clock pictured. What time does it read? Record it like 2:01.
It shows 10:39
